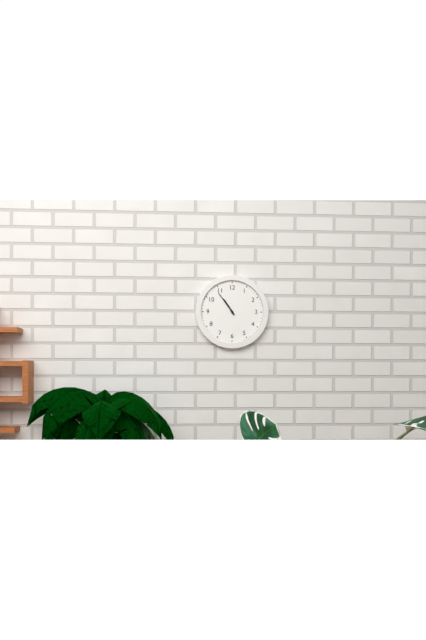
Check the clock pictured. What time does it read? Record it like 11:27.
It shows 10:54
